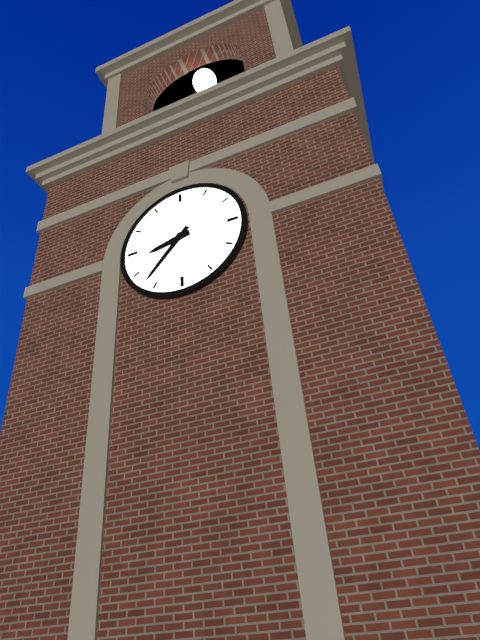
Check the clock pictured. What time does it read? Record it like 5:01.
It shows 8:37
